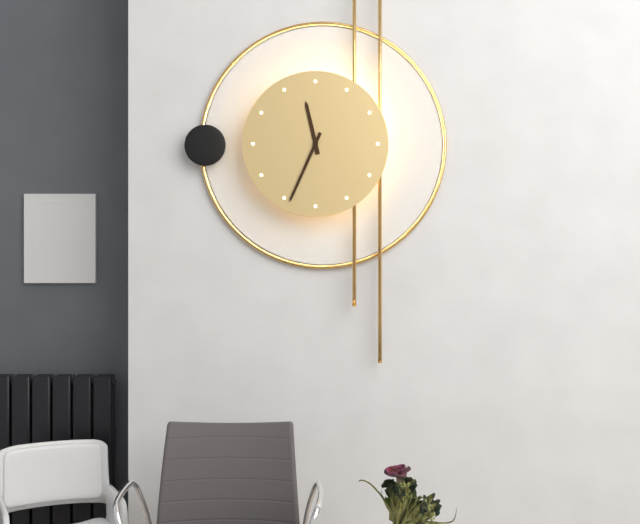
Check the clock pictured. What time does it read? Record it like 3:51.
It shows 11:34
